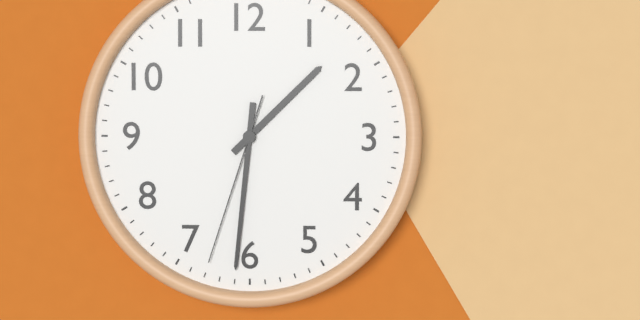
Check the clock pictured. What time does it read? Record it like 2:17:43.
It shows 1:31:33
